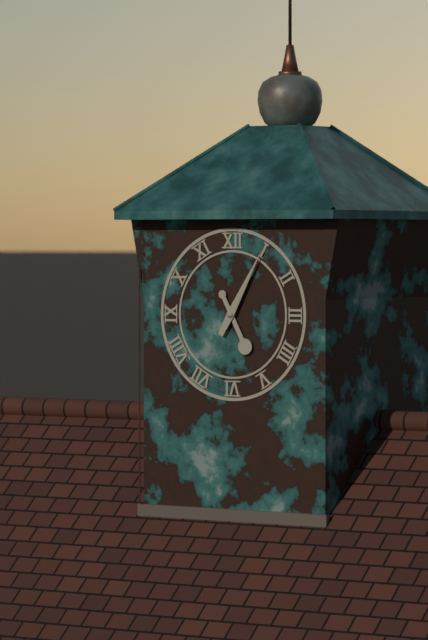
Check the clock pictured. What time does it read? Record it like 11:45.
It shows 5:05
